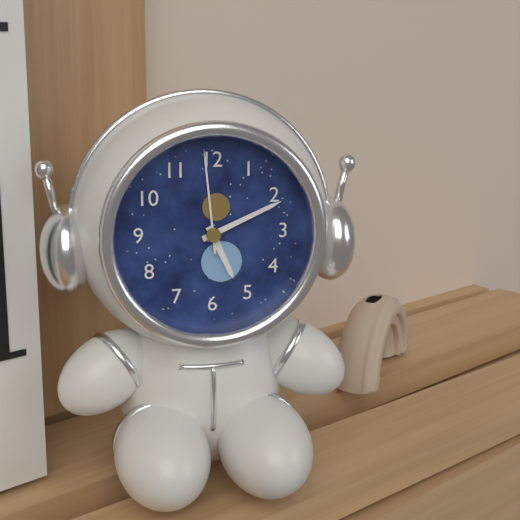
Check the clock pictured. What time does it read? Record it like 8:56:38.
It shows 5:11:59
